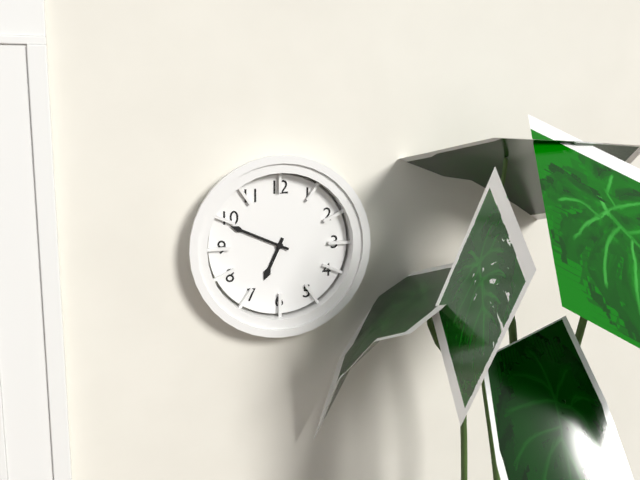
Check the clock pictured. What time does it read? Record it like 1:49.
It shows 6:49
